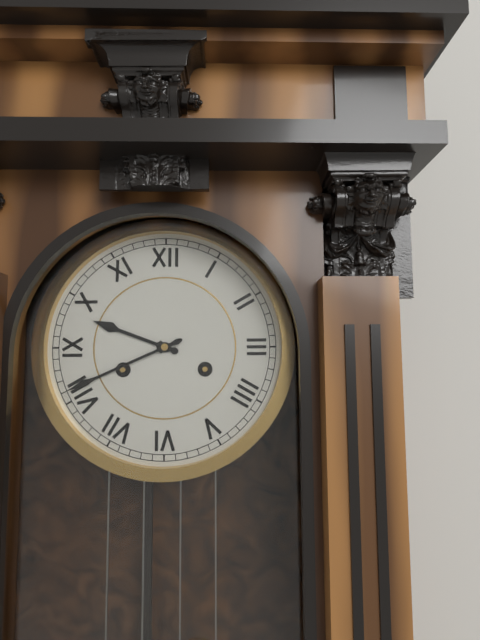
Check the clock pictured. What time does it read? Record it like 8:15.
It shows 9:41
